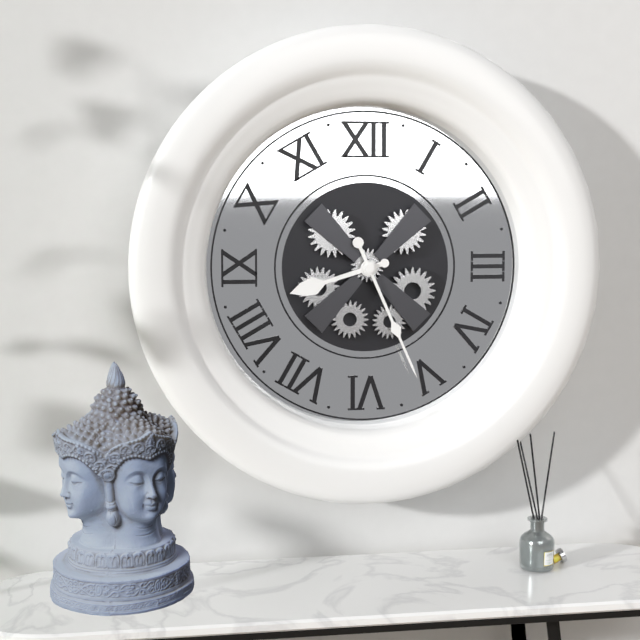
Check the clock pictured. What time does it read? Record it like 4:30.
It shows 8:26
